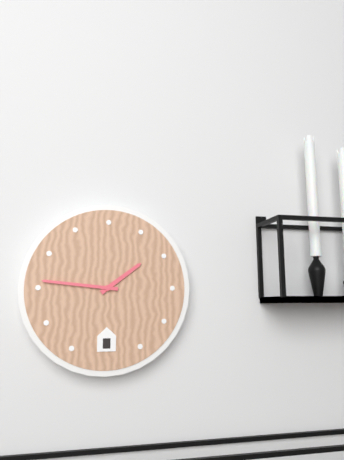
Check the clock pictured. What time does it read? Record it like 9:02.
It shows 1:46
